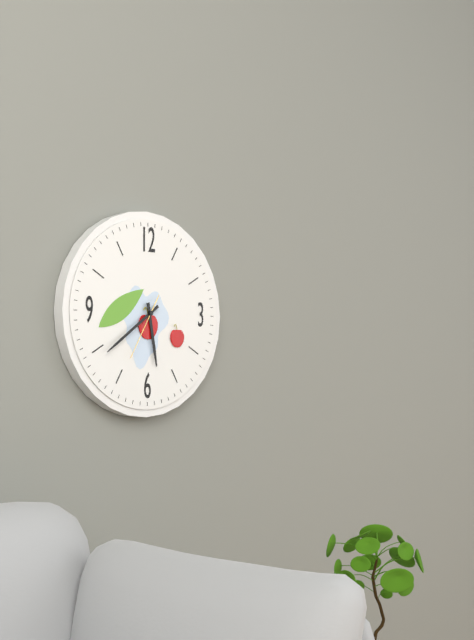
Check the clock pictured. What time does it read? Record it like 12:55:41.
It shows 5:39:35
